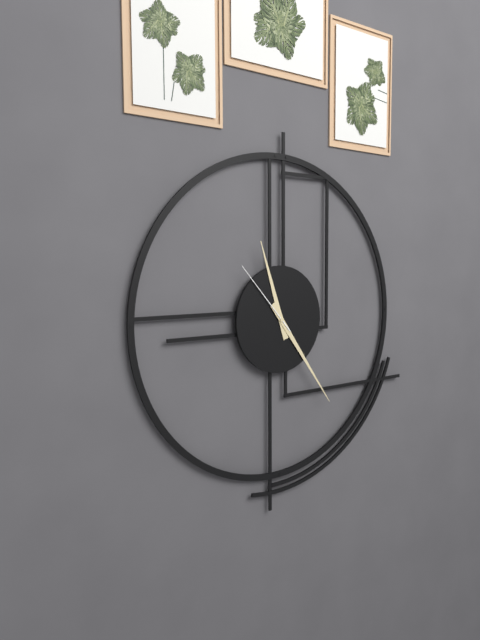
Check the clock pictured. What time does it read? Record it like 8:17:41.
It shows 11:24:53
